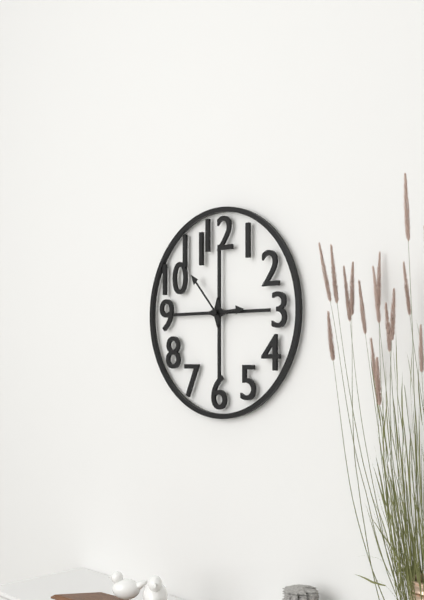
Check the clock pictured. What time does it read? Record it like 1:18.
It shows 2:53
